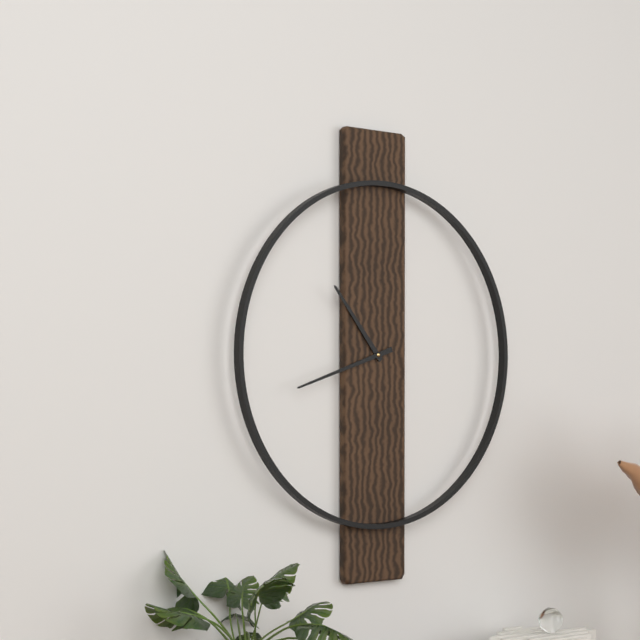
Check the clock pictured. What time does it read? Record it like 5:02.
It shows 10:42
